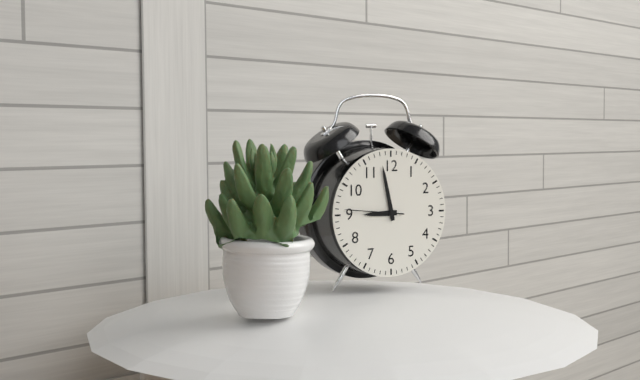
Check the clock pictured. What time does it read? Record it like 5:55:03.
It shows 8:58:46
